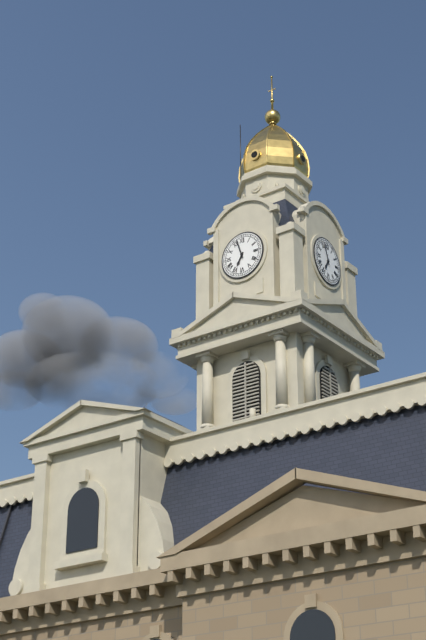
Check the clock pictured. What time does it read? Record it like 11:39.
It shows 6:57
